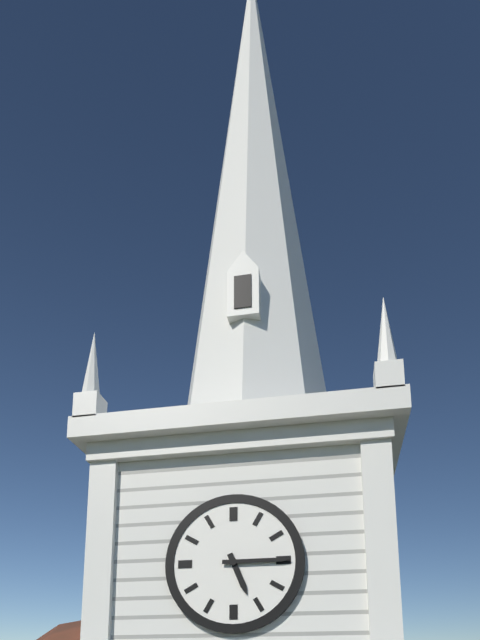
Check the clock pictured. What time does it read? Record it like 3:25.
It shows 5:15
